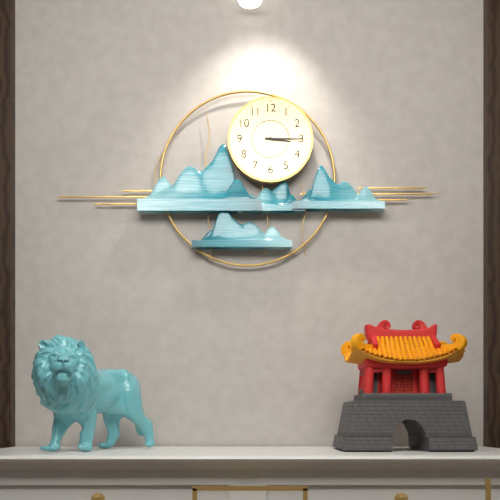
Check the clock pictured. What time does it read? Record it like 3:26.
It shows 3:15
